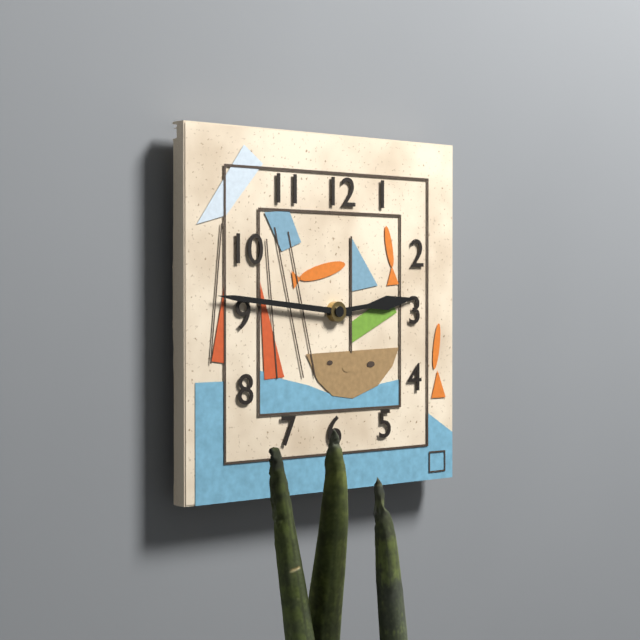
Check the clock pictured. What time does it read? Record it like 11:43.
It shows 2:46
